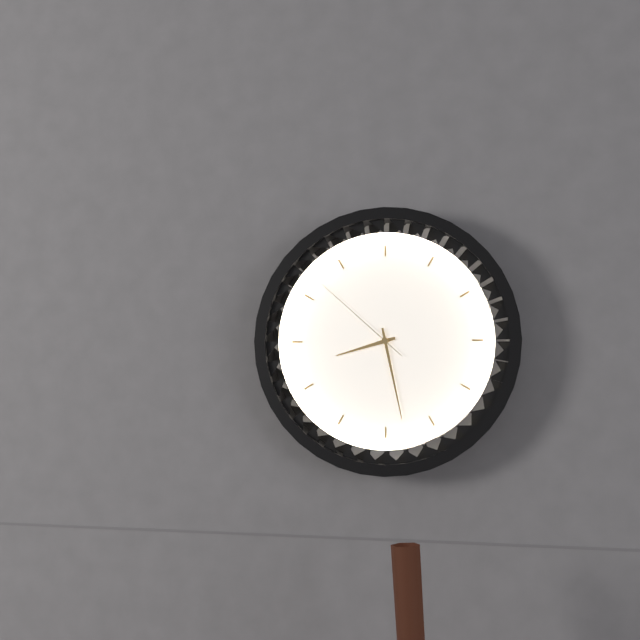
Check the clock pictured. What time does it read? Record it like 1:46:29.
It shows 8:28:52
